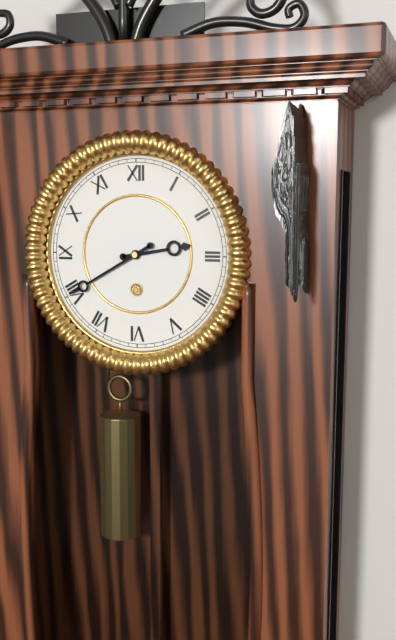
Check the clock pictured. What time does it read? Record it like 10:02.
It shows 2:40
